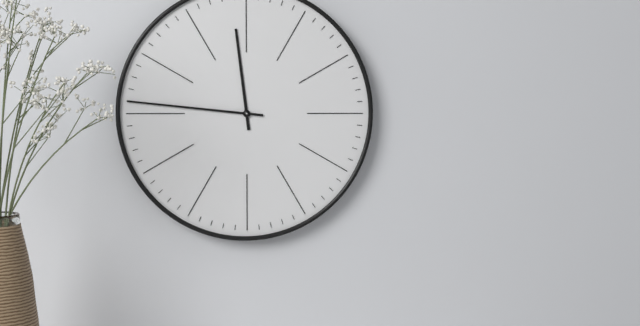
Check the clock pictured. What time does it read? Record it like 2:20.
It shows 11:46
